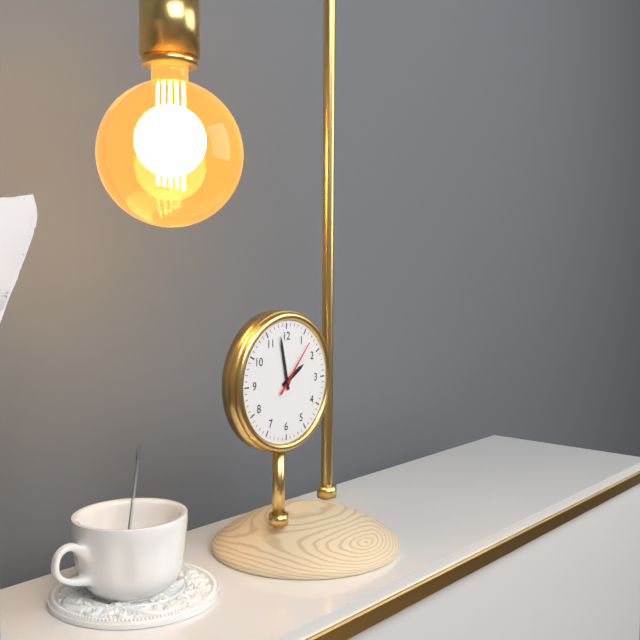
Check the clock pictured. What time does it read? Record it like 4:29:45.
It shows 1:58:07
